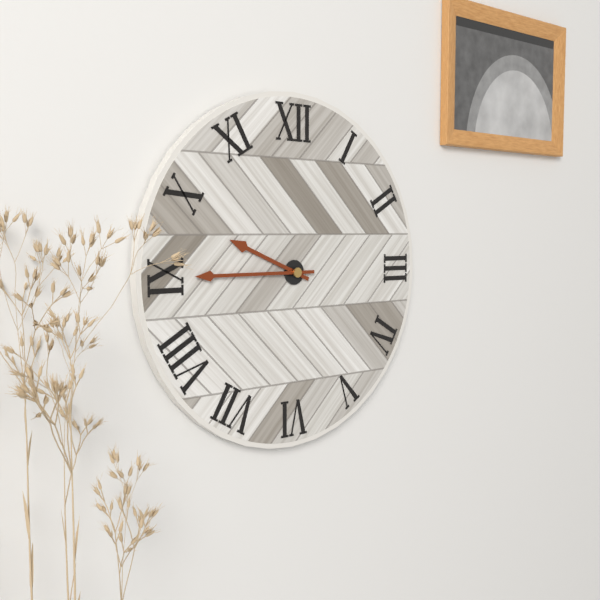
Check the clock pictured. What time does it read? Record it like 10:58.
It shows 9:45
